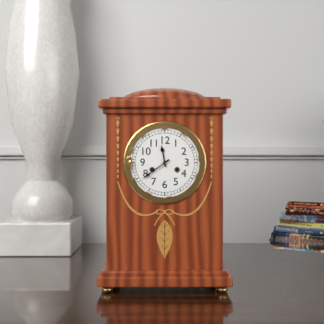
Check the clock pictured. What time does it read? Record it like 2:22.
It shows 11:39
